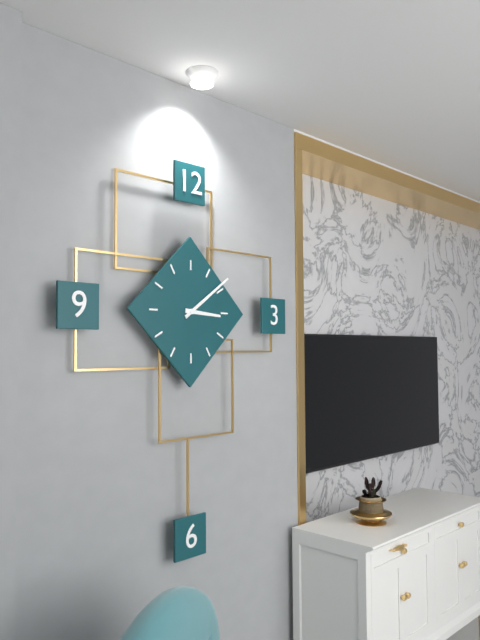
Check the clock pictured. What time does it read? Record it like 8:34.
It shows 3:09
